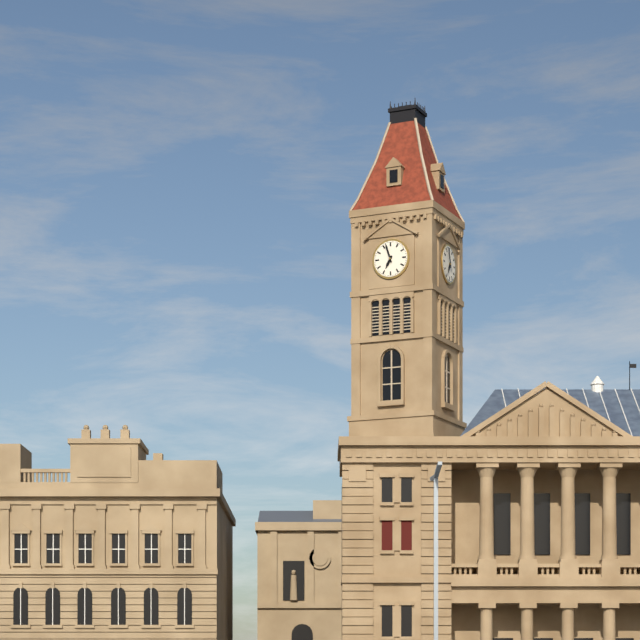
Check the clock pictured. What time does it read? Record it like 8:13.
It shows 6:57
